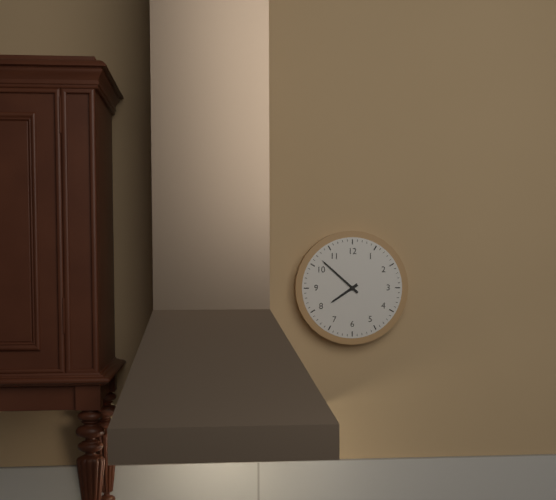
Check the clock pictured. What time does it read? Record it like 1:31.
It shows 7:52
